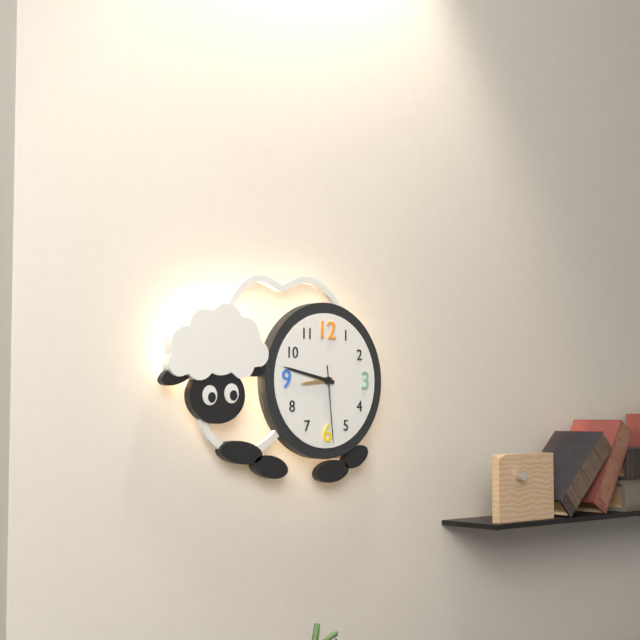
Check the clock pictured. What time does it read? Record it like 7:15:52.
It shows 8:47:29
